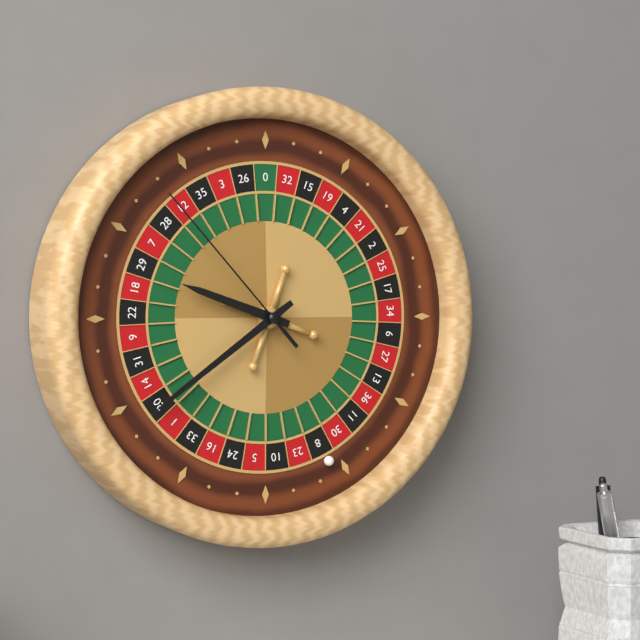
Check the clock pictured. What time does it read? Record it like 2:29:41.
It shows 9:39:53
